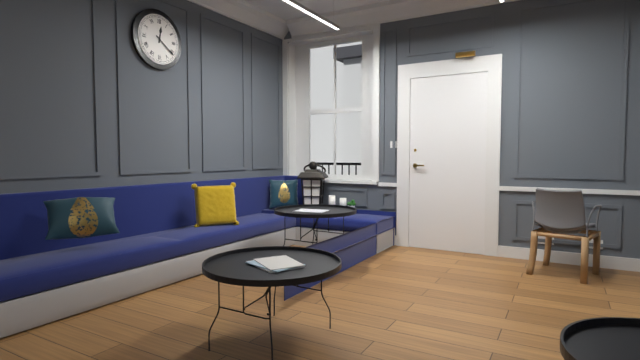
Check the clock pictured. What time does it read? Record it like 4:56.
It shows 12:21
